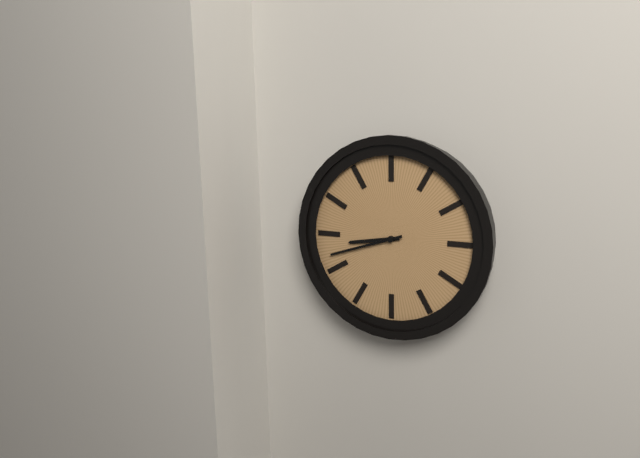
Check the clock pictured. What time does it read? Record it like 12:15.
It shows 8:42
